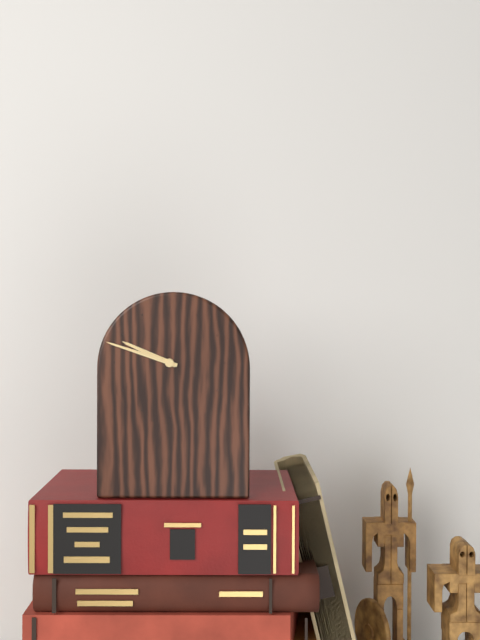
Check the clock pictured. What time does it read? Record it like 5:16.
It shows 9:48
